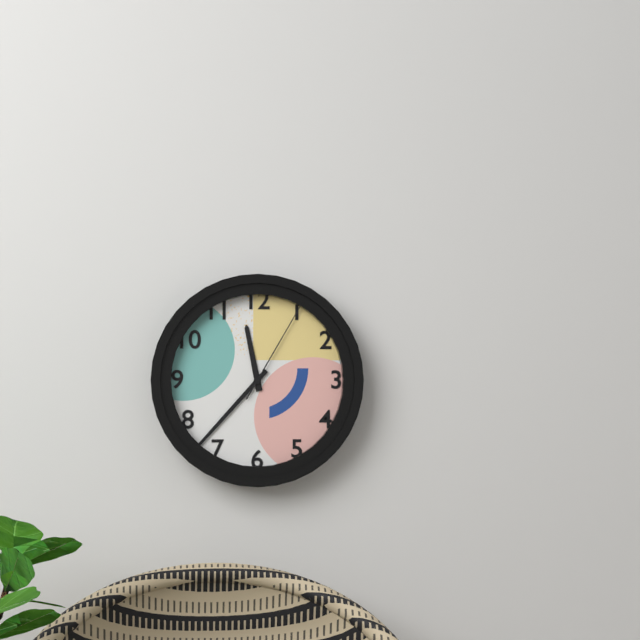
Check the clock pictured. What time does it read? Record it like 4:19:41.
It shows 11:37:05
